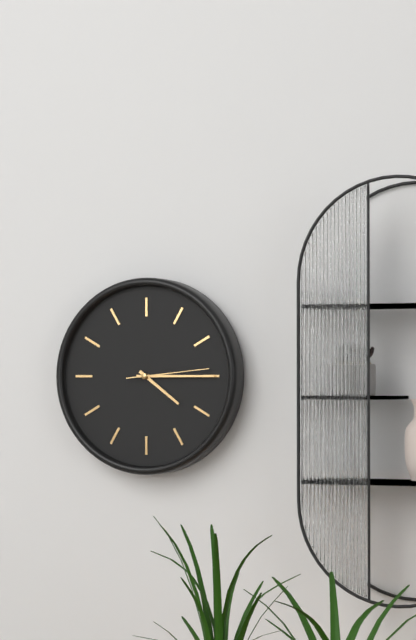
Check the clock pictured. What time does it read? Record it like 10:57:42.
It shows 4:15:14
